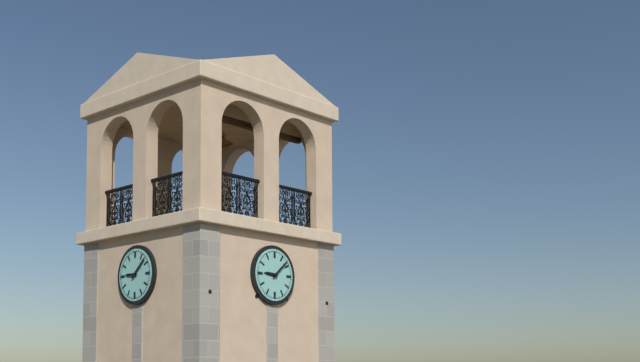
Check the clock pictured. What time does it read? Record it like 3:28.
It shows 9:08
